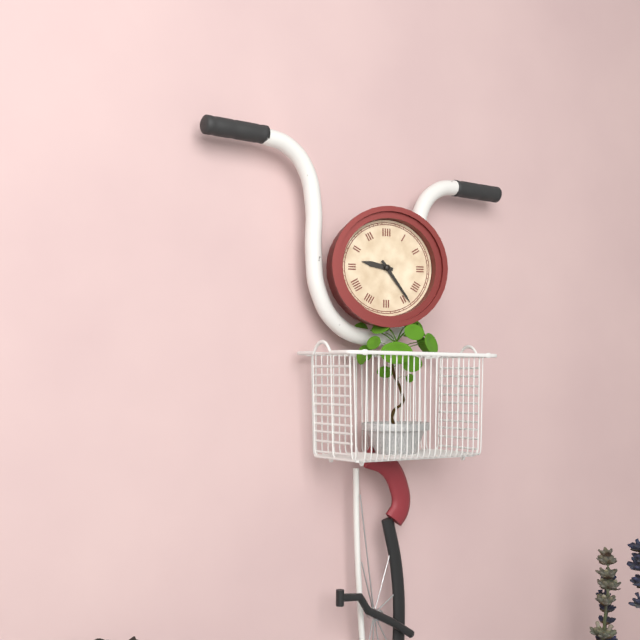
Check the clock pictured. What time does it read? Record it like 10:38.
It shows 9:24
